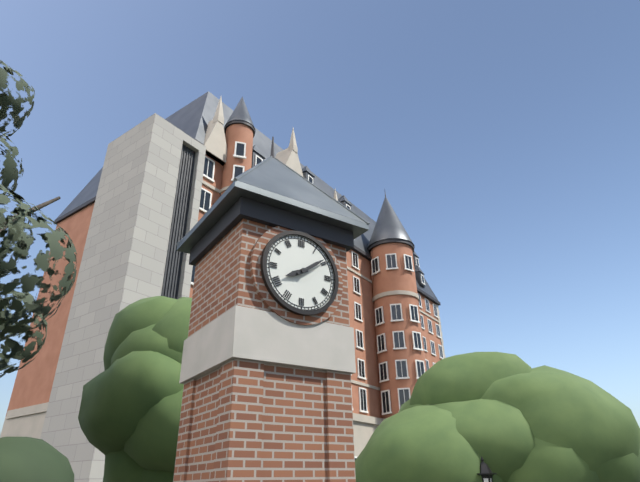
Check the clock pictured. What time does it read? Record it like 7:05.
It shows 8:09
